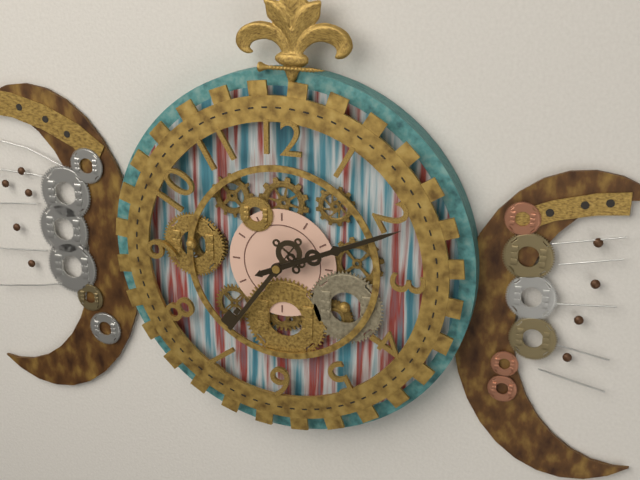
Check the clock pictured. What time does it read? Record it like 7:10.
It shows 7:11
